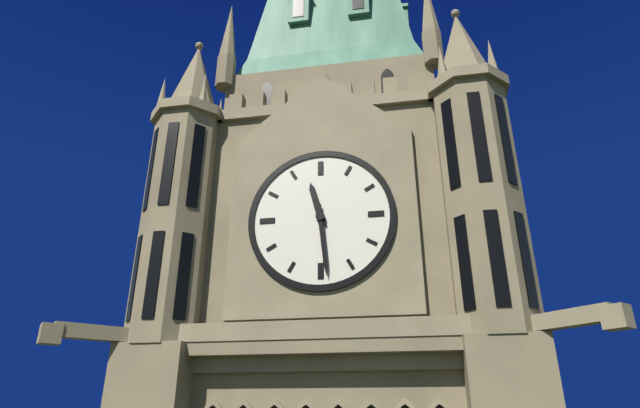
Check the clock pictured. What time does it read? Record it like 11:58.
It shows 11:29
